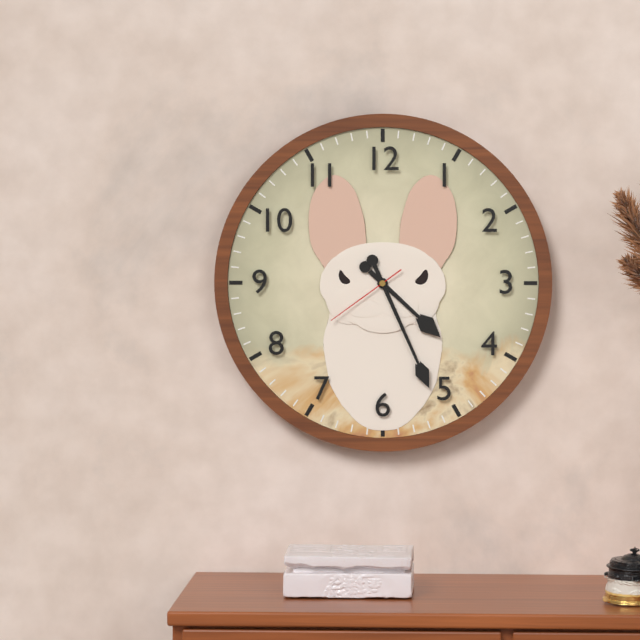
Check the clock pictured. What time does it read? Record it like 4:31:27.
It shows 4:26:39
